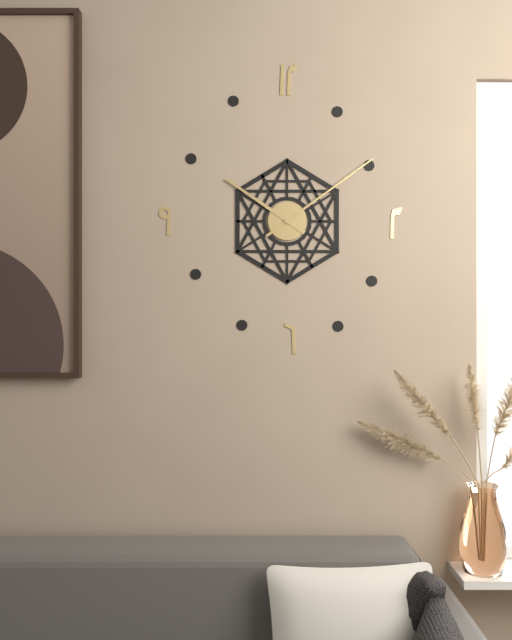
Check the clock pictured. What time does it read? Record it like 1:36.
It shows 10:09
